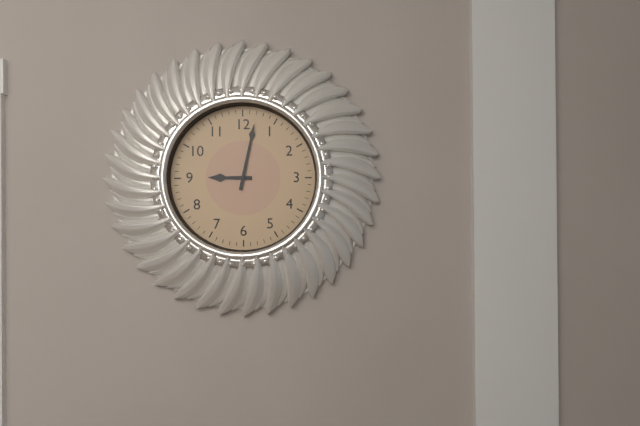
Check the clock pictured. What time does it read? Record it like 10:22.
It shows 9:02
